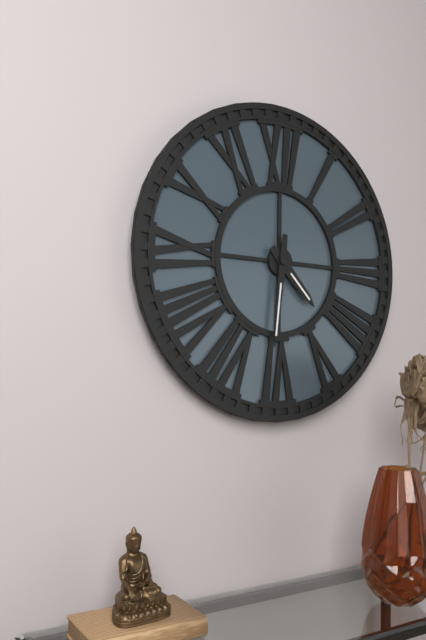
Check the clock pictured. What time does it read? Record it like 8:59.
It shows 4:31
